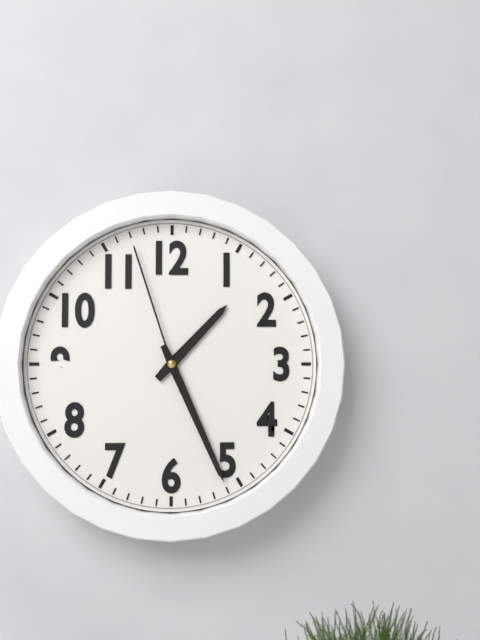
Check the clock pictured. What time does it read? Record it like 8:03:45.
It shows 1:26:57
